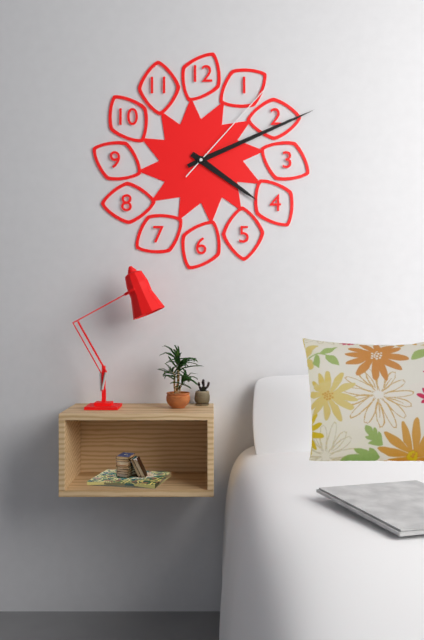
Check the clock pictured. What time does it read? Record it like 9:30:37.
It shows 4:11:07
